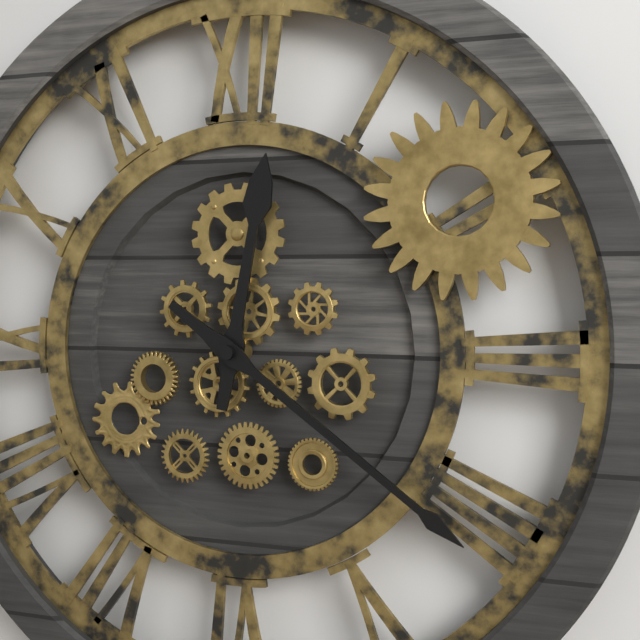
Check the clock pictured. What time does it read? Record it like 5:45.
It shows 12:21
